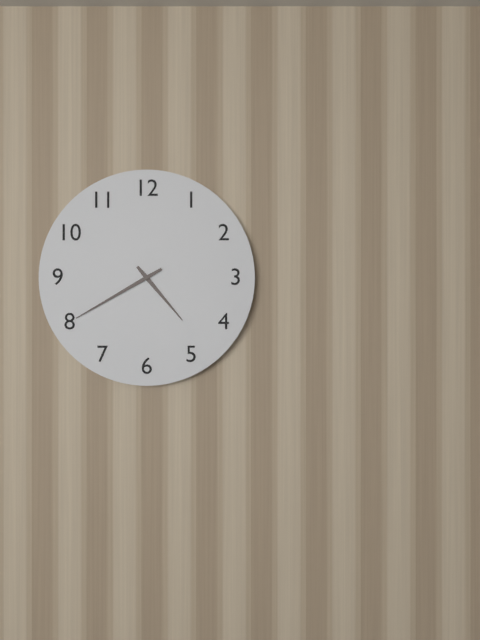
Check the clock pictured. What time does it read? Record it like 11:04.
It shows 4:40
